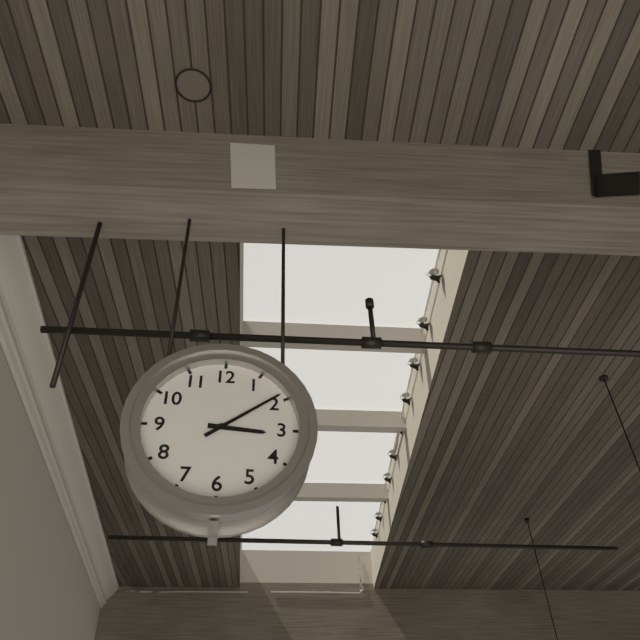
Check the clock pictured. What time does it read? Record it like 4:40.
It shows 3:09
